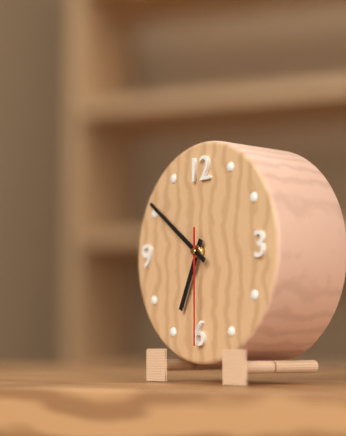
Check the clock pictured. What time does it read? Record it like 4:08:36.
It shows 6:51:30
